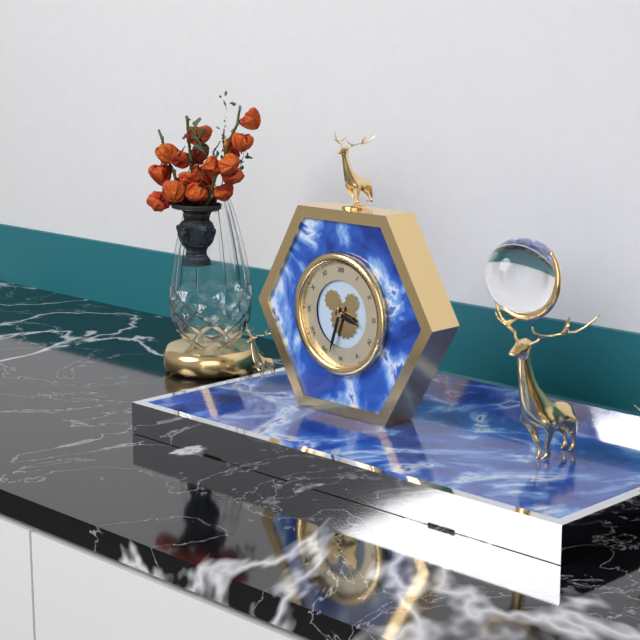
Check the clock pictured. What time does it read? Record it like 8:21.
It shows 3:33
